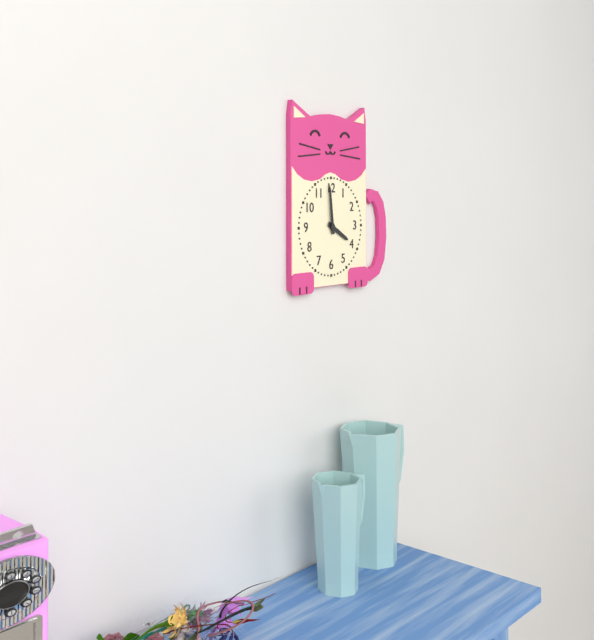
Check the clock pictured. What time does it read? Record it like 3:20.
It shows 3:59
